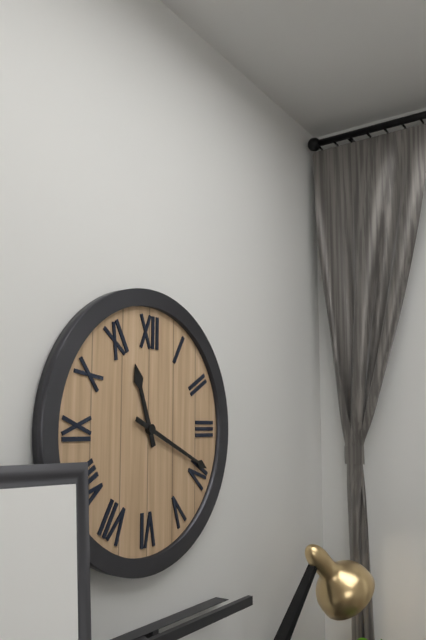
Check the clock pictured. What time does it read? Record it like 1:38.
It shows 11:19
